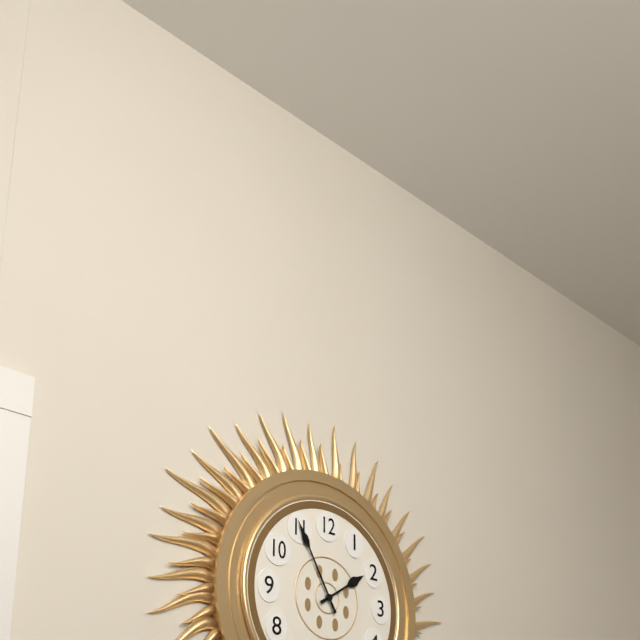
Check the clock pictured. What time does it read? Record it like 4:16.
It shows 1:55
